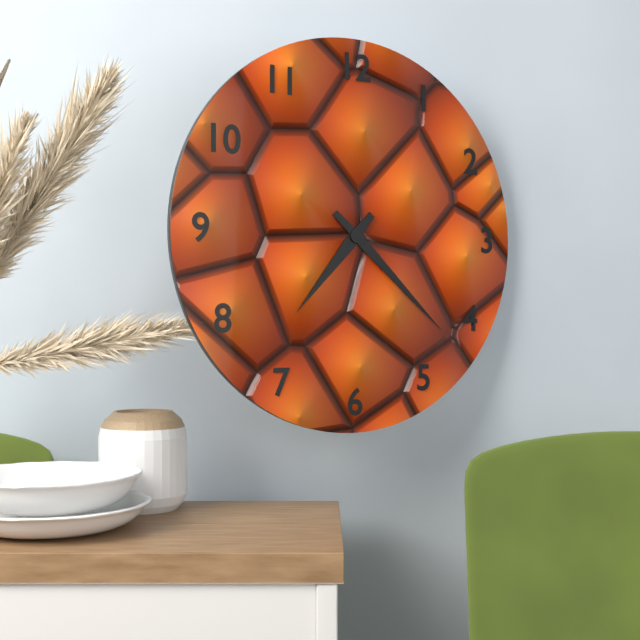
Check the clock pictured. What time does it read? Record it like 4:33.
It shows 7:22
